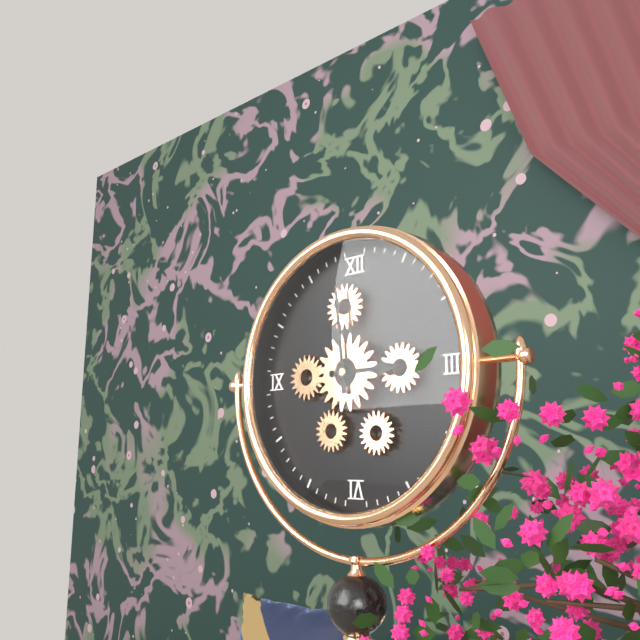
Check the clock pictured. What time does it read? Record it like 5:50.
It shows 2:59
